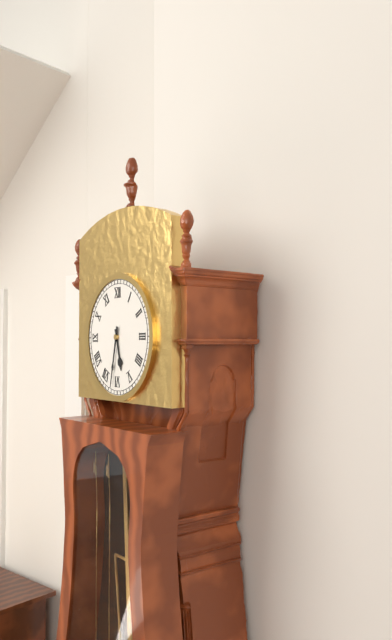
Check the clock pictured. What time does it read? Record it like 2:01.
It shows 5:32
